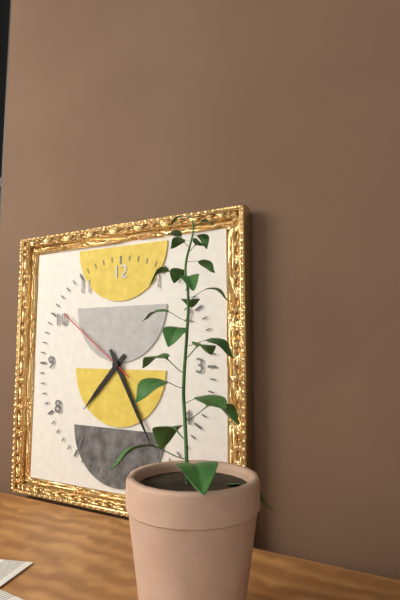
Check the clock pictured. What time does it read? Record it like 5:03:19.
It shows 7:25:51
